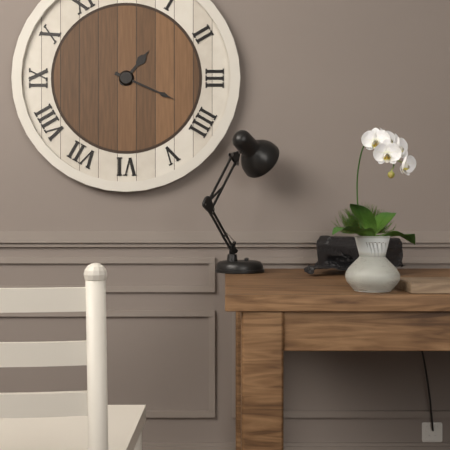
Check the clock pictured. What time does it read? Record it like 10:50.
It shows 1:19
